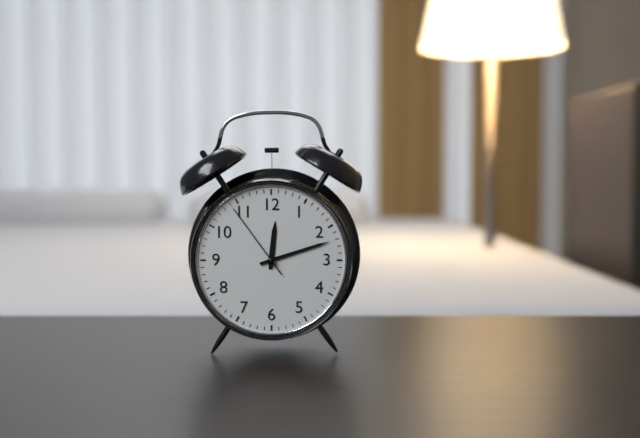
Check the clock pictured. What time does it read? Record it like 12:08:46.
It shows 12:12:54
